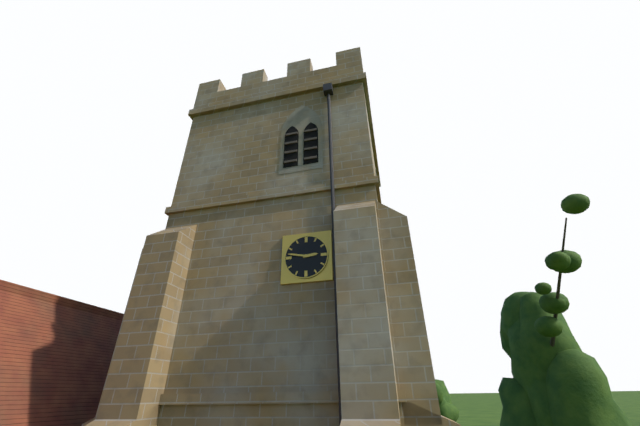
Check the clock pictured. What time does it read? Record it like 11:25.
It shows 2:47
